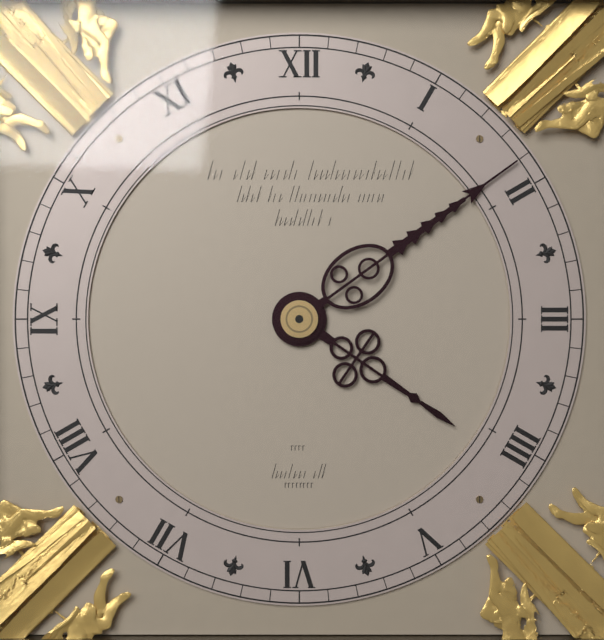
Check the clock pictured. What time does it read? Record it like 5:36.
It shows 4:09
